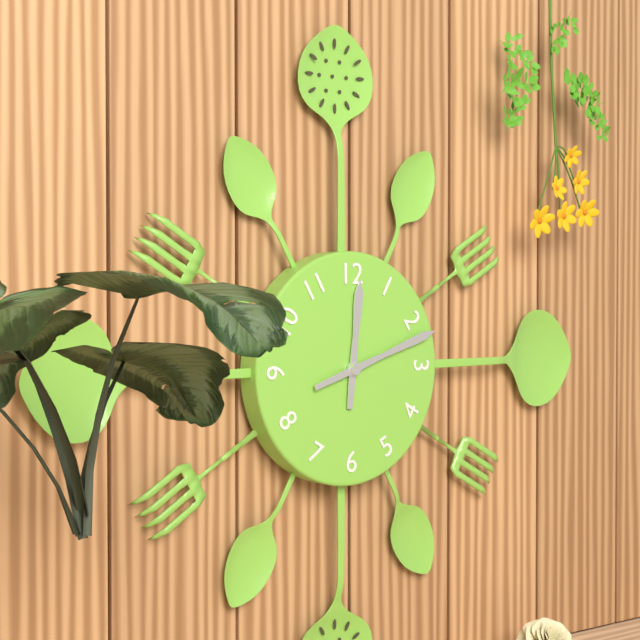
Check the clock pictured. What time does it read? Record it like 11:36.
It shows 12:12
